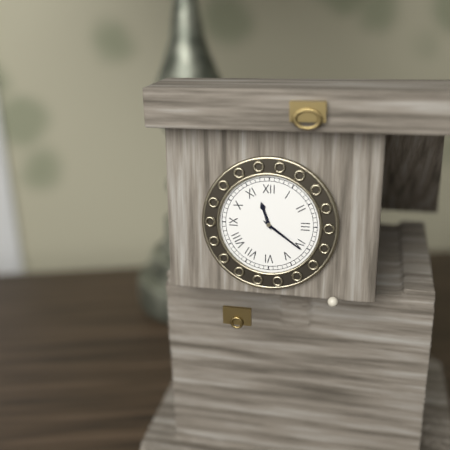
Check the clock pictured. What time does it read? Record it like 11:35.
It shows 11:21
